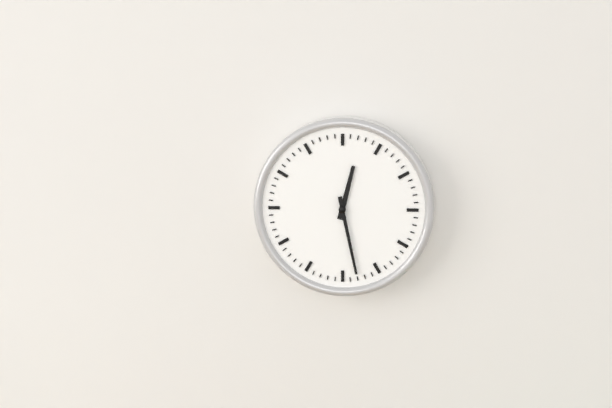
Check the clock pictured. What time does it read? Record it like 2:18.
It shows 12:28
